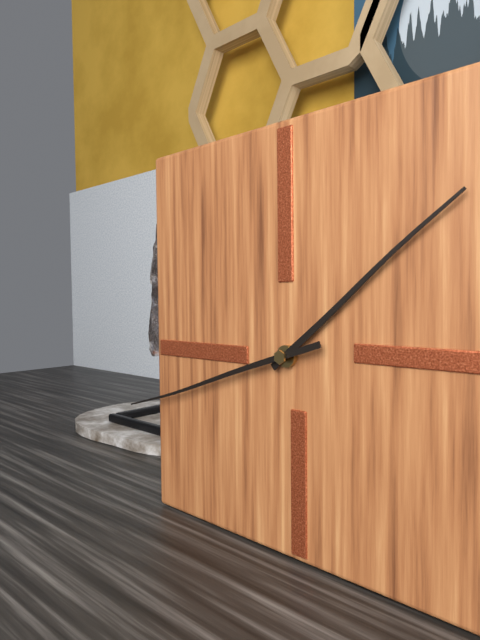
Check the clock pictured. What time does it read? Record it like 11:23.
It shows 1:42
